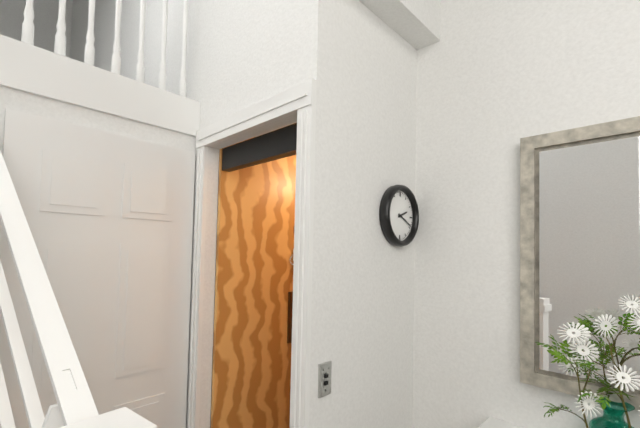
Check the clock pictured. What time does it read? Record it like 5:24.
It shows 2:19
